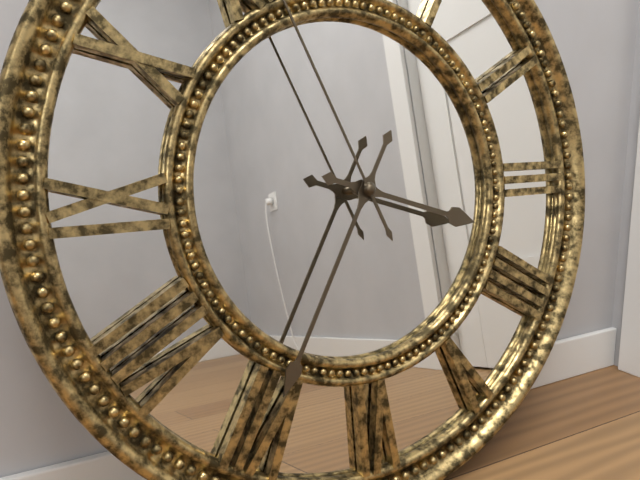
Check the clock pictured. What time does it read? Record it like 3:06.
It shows 3:35
